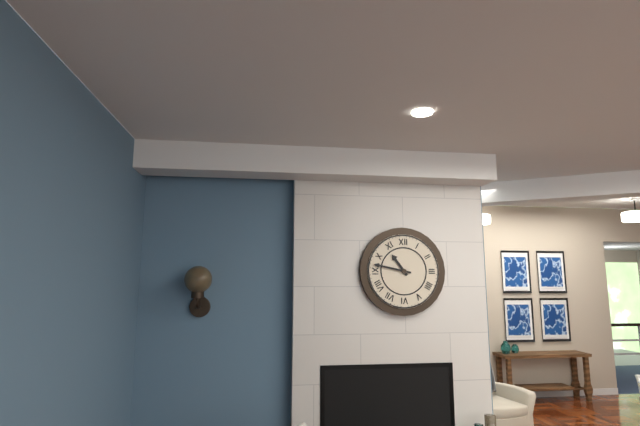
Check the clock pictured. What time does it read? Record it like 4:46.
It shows 10:47
